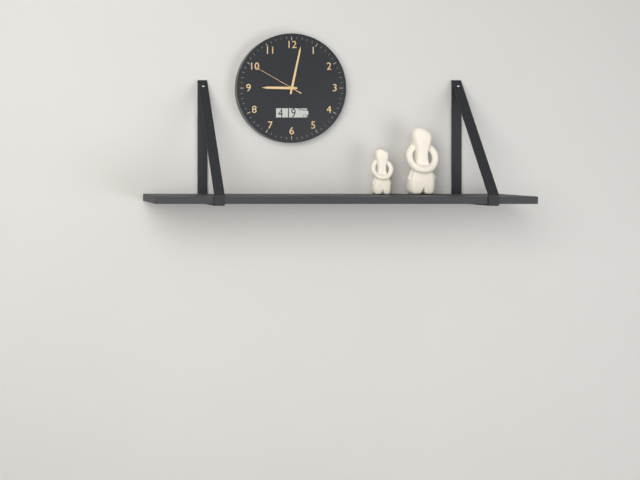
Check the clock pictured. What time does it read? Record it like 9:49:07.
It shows 9:02:50
